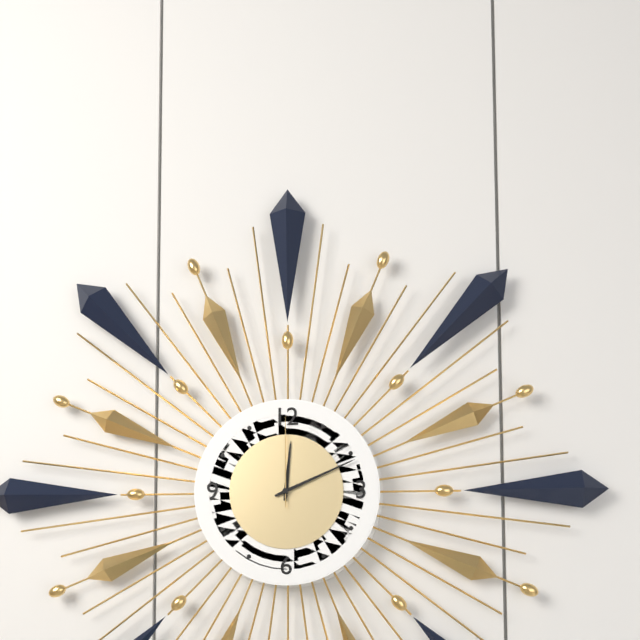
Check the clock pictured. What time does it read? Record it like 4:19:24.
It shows 12:11:00
